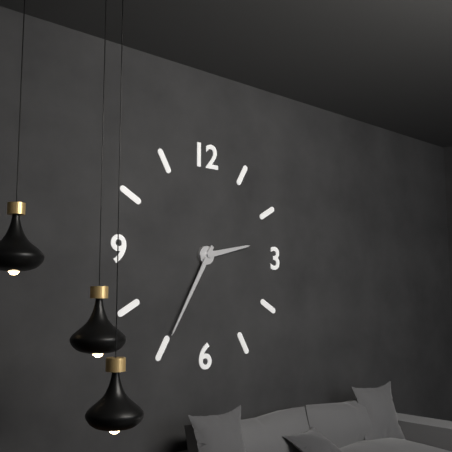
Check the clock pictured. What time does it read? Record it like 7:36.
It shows 2:35
